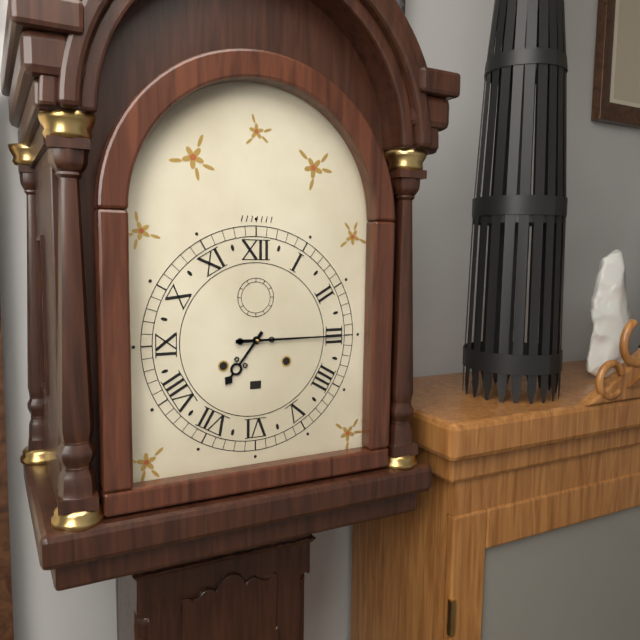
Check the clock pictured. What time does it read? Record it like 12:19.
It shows 7:15
